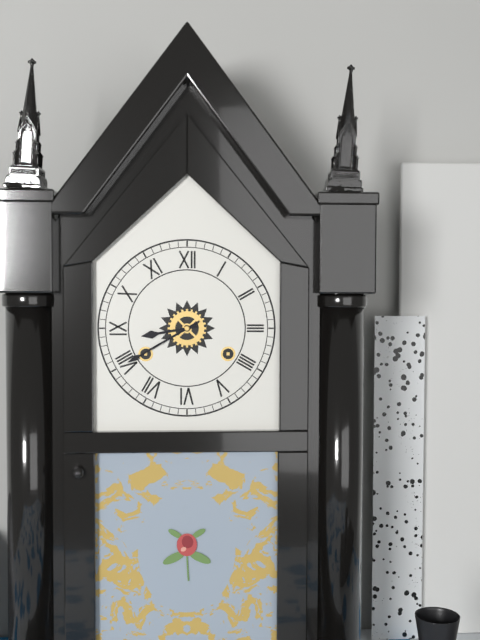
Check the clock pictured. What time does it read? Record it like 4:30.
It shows 8:40
